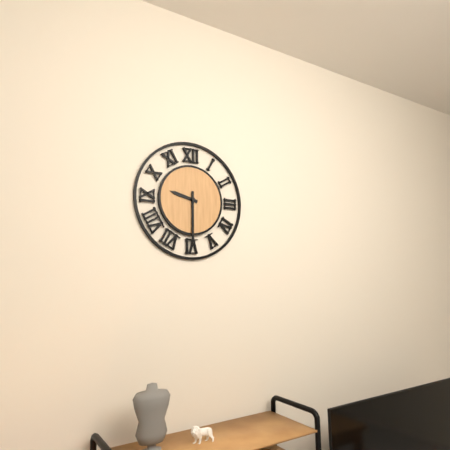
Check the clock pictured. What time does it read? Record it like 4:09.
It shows 9:30
